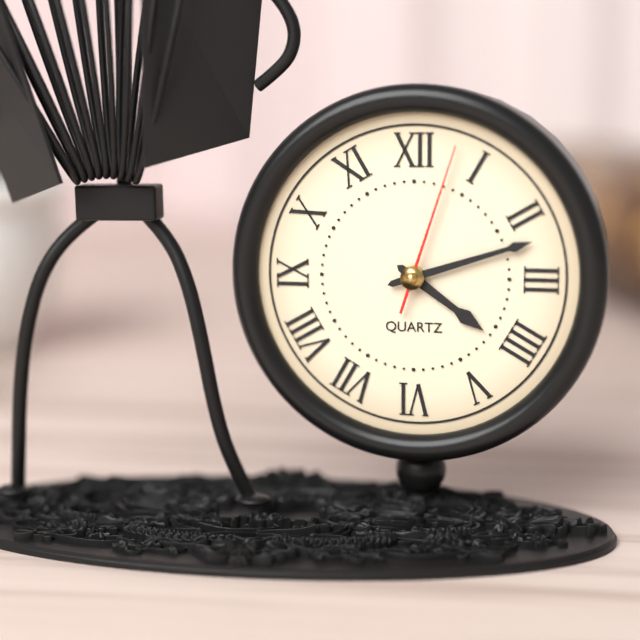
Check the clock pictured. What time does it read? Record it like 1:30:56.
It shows 4:12:03
